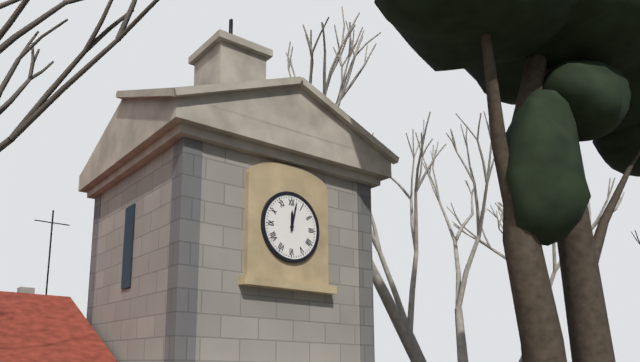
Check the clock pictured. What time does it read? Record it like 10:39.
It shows 12:02
